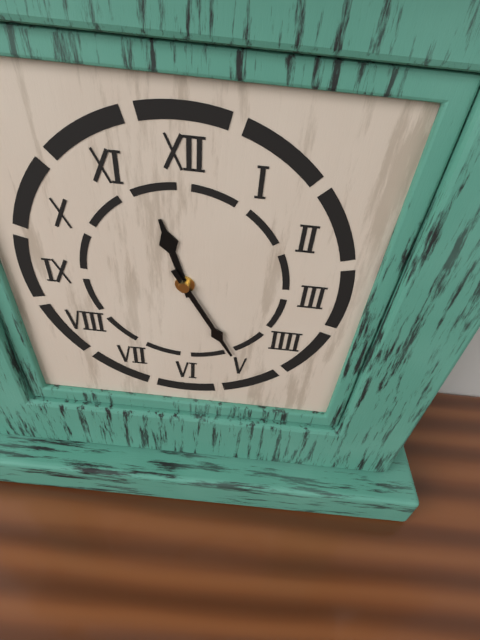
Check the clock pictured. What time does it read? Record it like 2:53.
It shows 11:25
